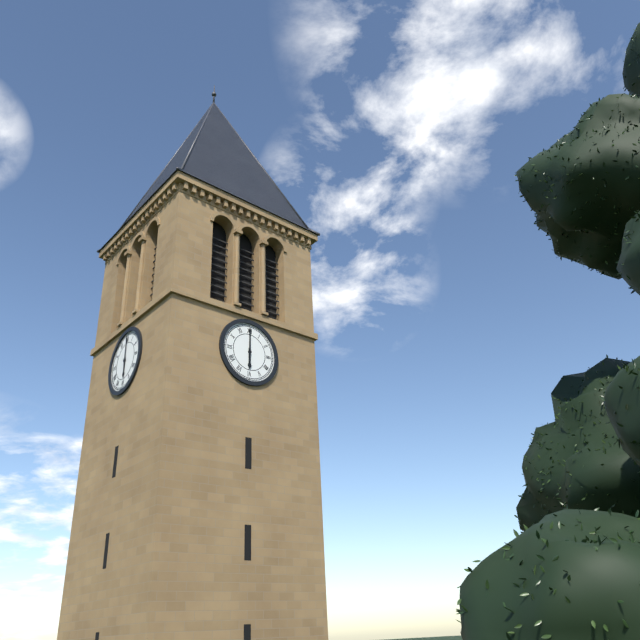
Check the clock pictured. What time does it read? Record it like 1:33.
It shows 6:00
